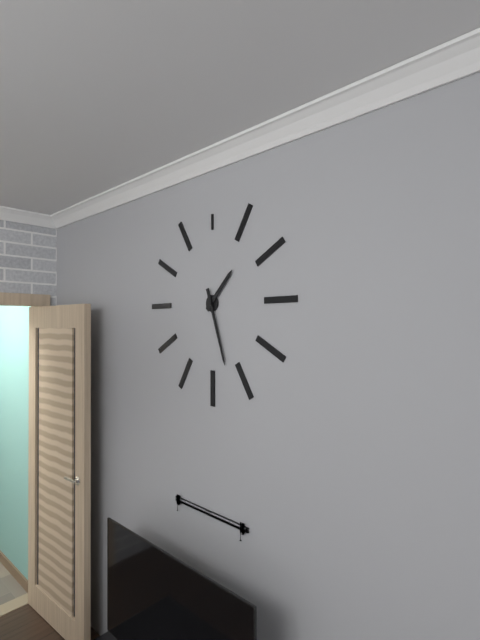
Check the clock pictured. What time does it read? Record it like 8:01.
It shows 1:27
